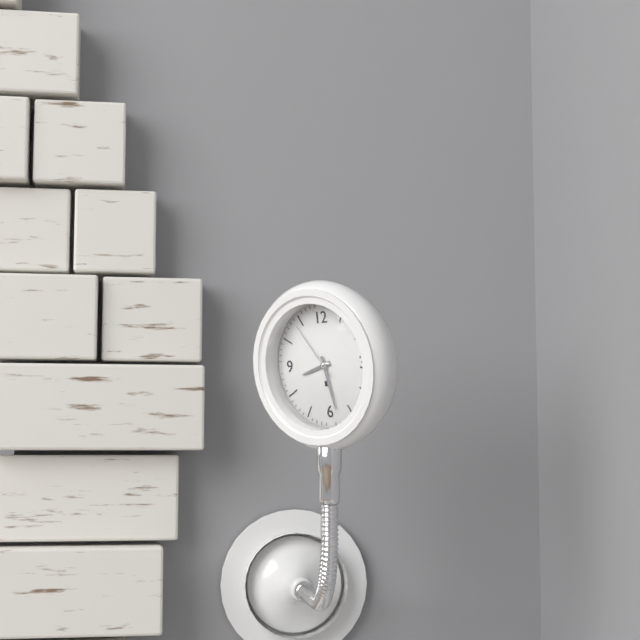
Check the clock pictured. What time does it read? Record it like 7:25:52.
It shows 8:28:54
